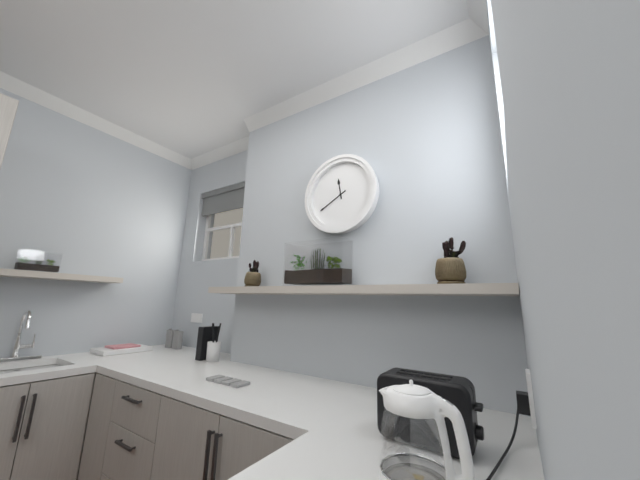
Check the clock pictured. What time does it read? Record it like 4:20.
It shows 11:40
